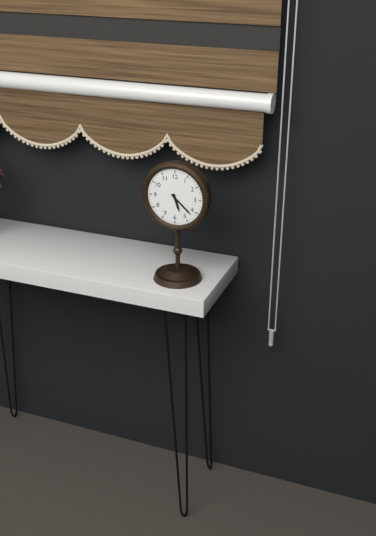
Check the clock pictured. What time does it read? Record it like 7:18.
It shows 5:22
